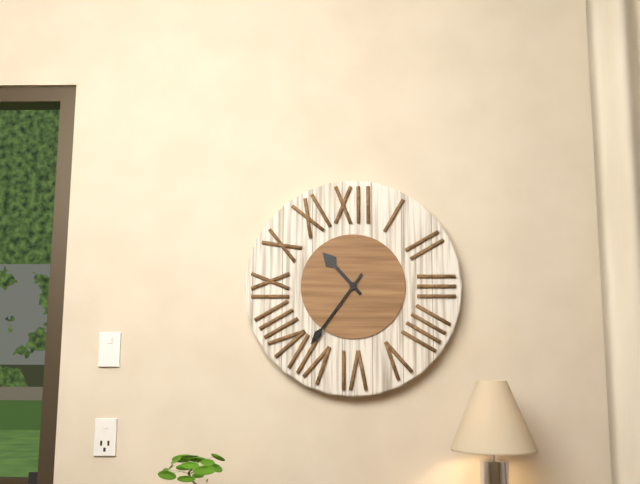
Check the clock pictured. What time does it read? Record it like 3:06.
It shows 10:36
